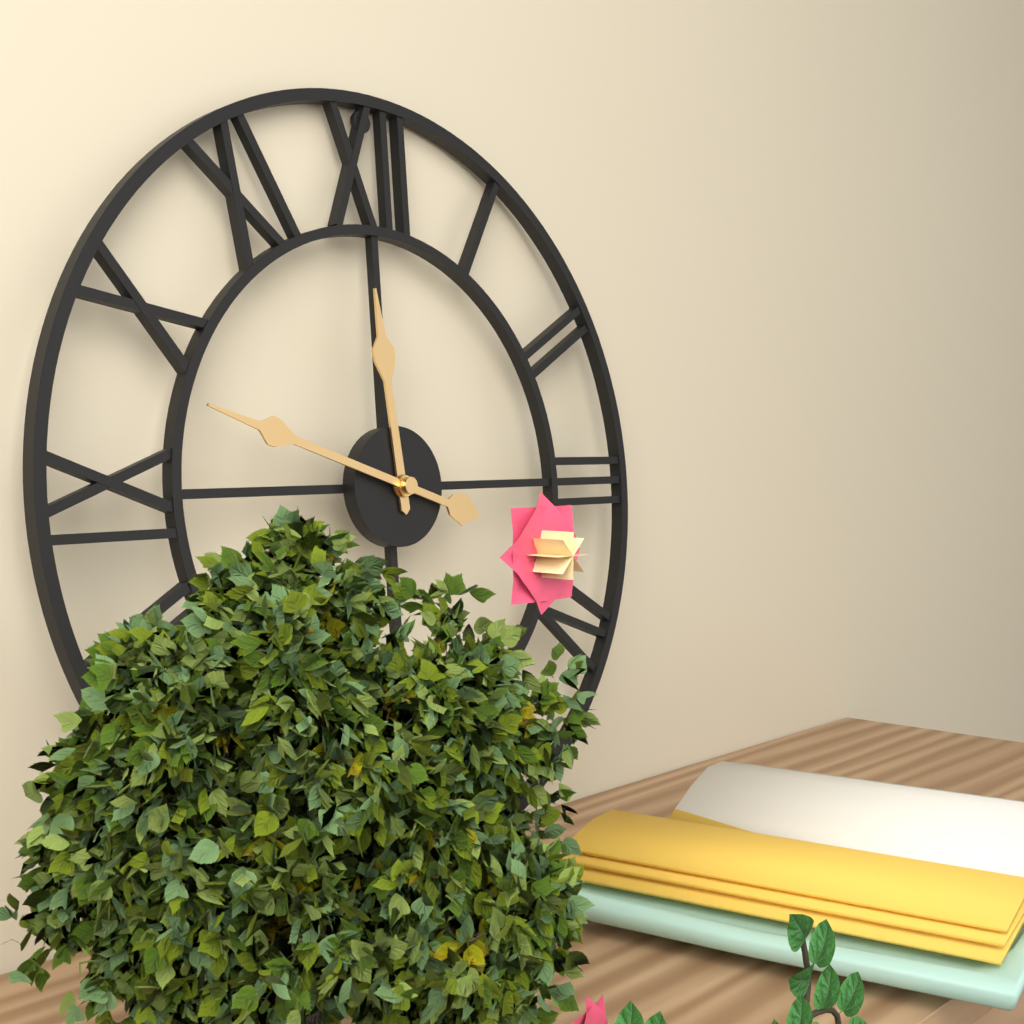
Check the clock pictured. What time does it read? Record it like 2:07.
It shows 11:48
